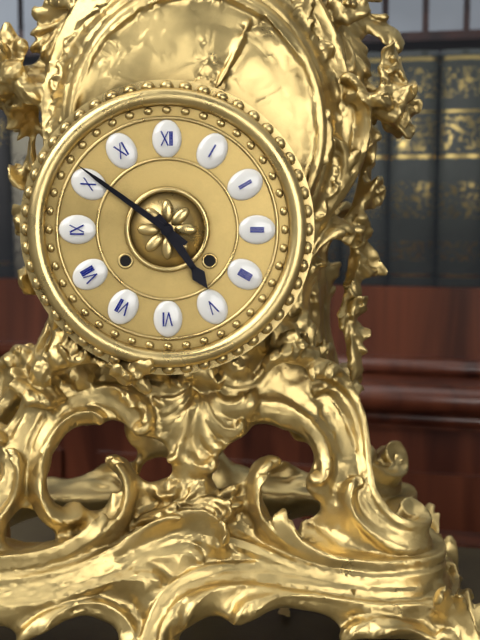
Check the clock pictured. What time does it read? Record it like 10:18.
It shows 4:51
